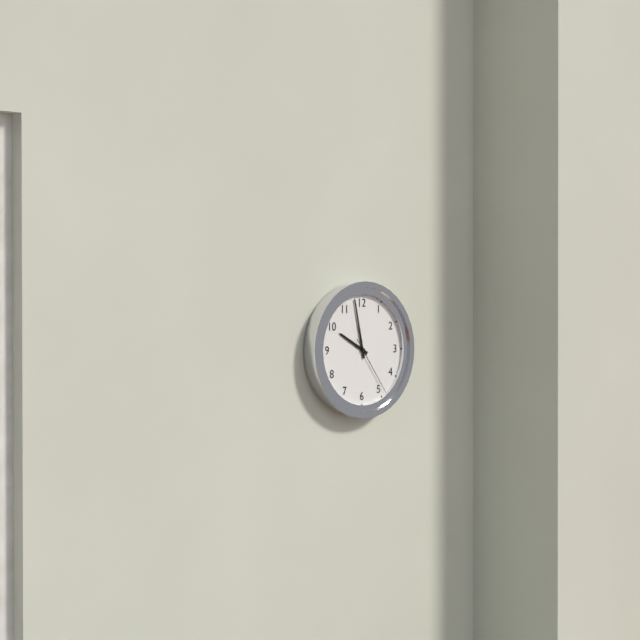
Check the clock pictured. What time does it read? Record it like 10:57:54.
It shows 9:58:24
